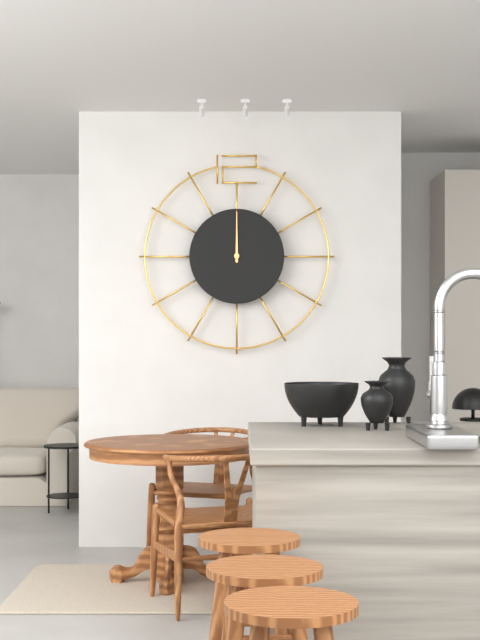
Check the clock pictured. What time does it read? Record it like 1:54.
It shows 12:00
